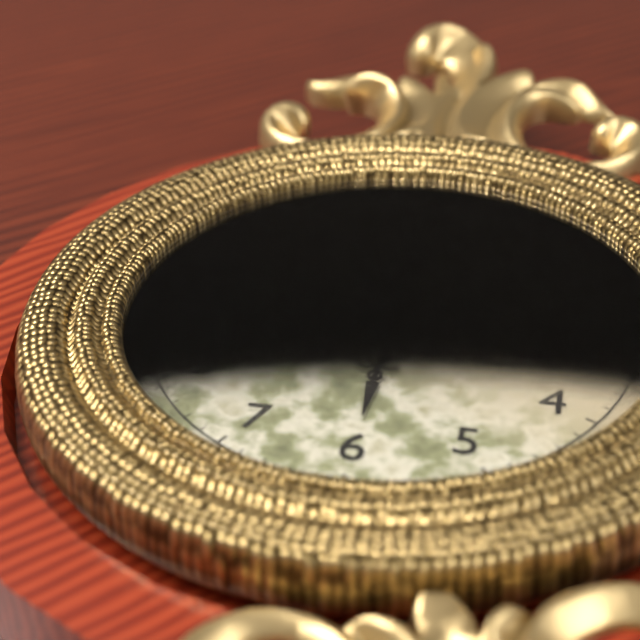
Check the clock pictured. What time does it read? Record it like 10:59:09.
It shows 6:00:44
